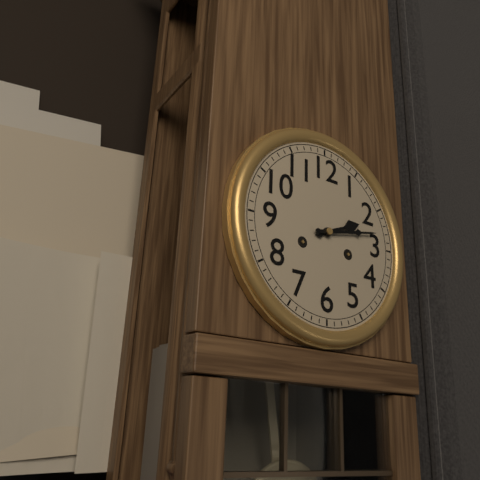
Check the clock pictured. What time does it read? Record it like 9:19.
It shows 2:13
